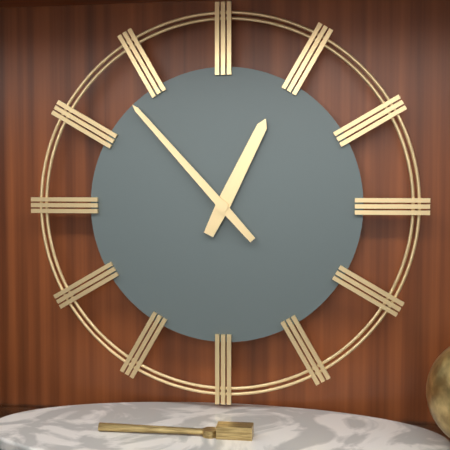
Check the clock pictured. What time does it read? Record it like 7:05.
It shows 12:53
